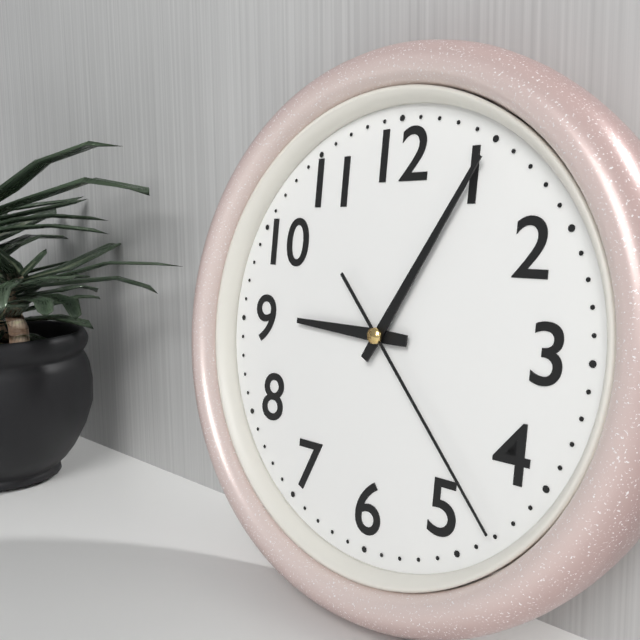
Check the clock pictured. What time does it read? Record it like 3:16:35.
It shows 9:05:23
